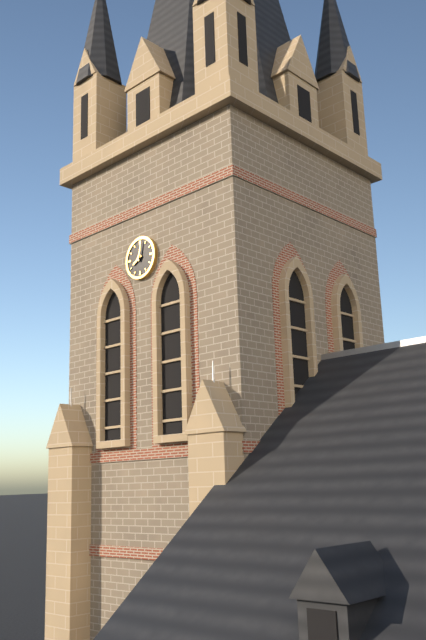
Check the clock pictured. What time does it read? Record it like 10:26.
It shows 8:02
